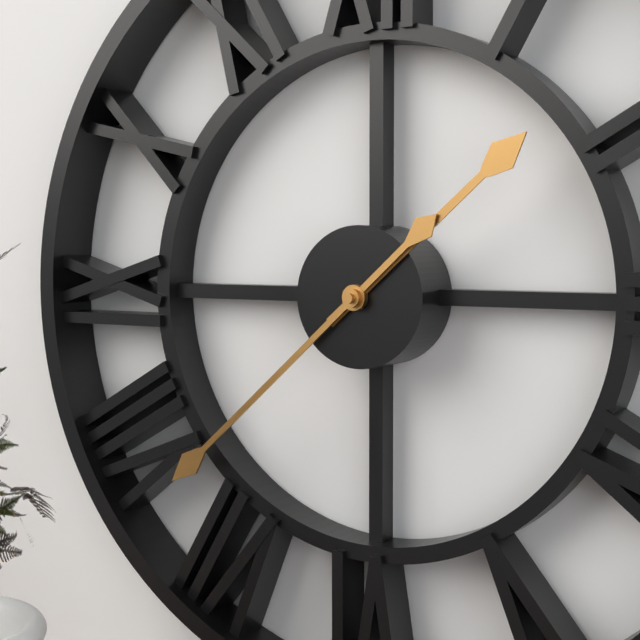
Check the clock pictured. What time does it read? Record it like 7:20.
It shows 1:38
